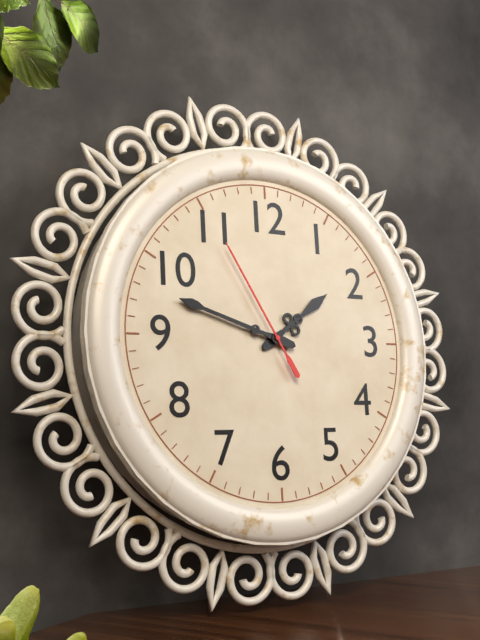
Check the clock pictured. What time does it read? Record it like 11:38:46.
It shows 1:48:55
